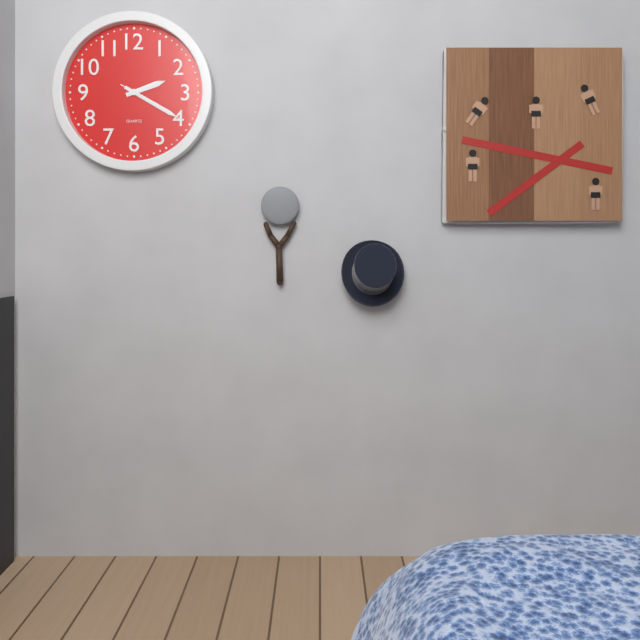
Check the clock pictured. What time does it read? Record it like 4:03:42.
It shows 2:20:20
